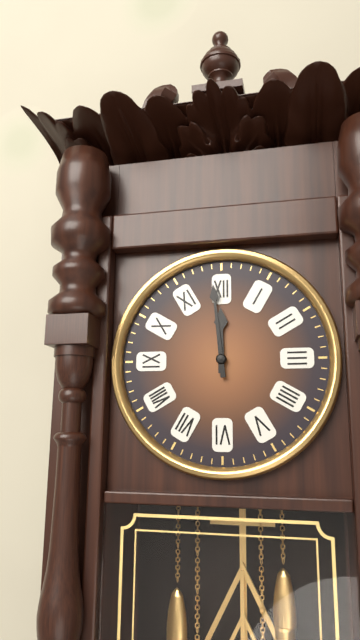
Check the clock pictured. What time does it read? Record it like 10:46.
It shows 11:59
